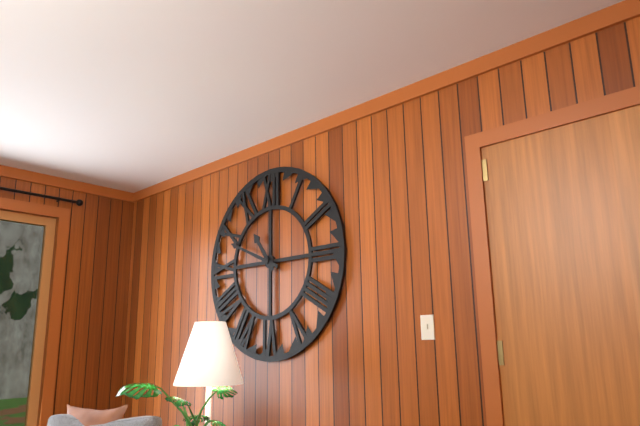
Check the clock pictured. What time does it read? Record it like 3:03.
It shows 10:49
